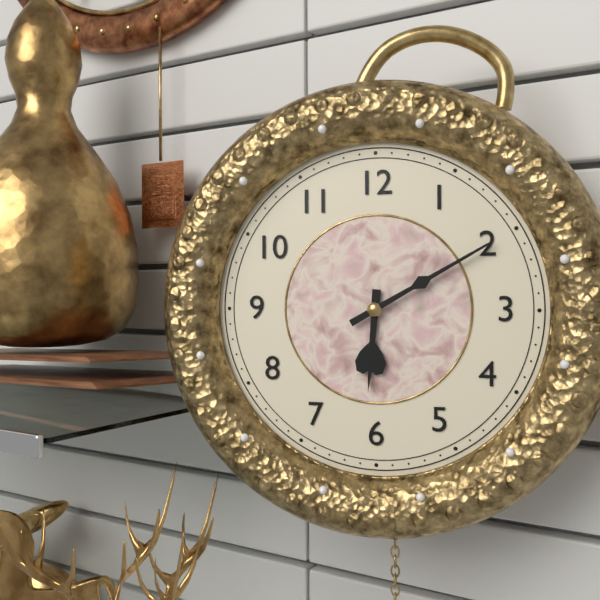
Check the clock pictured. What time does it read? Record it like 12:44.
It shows 6:10
